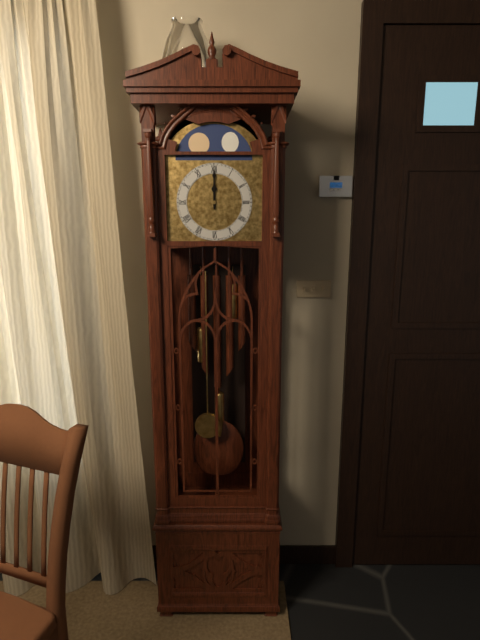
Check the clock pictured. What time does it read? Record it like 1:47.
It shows 12:00
